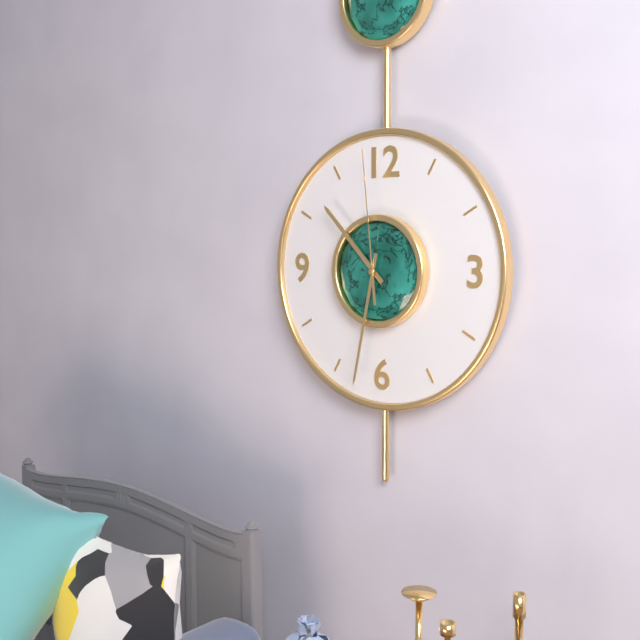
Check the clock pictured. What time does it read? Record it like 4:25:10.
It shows 10:32:59
